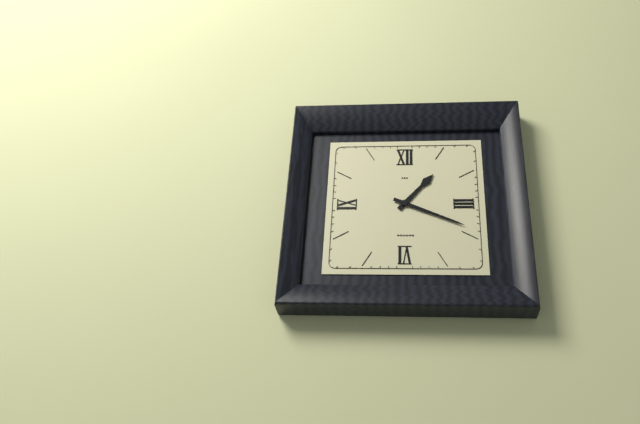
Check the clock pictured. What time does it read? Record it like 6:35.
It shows 1:19
